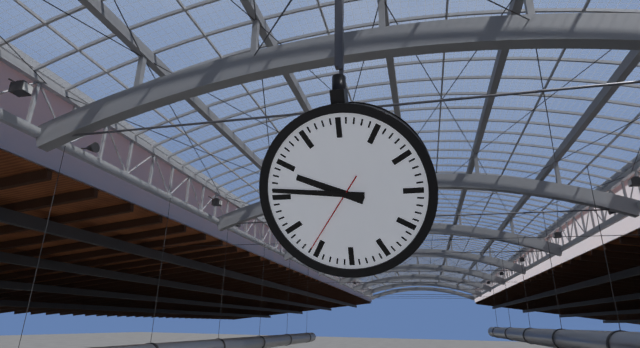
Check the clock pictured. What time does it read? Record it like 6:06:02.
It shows 9:46:36
